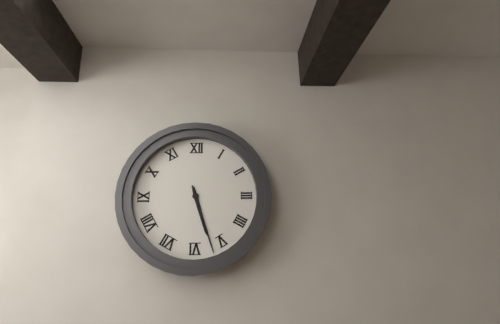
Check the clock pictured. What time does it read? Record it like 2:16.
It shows 5:27
